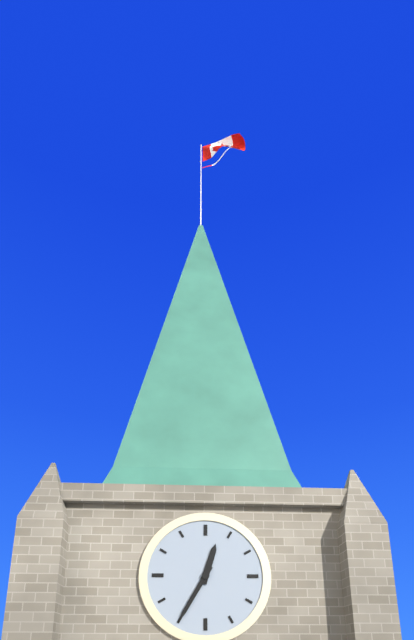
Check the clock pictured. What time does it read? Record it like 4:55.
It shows 12:35
